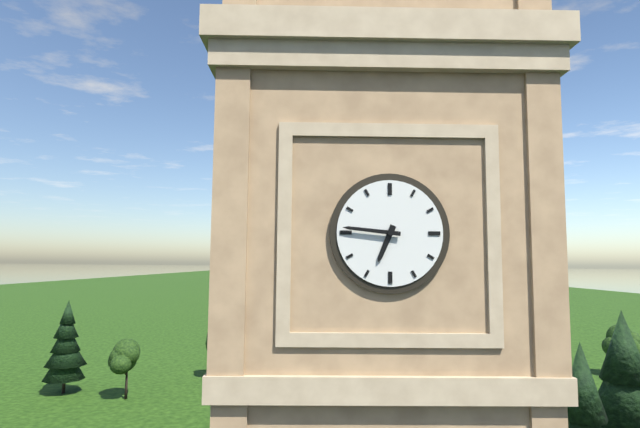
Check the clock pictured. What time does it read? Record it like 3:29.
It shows 6:46
